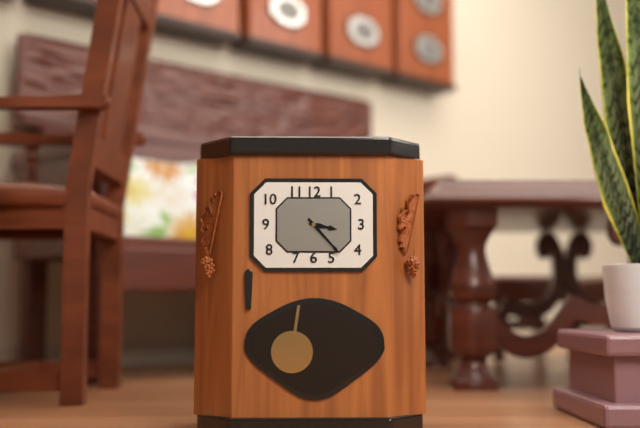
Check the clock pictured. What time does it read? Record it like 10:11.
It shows 3:23
